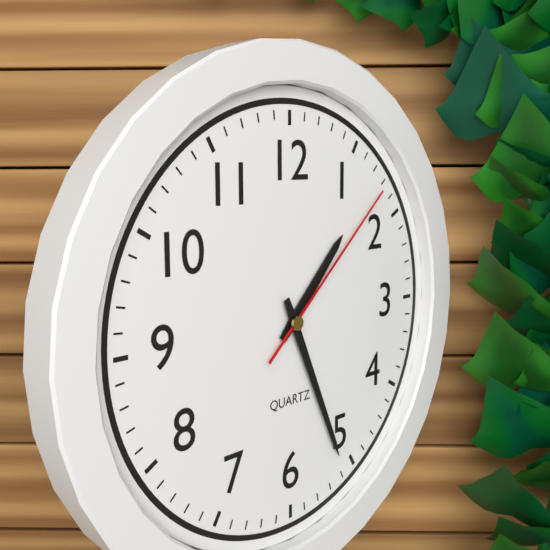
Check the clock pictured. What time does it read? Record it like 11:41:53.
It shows 1:26:08
